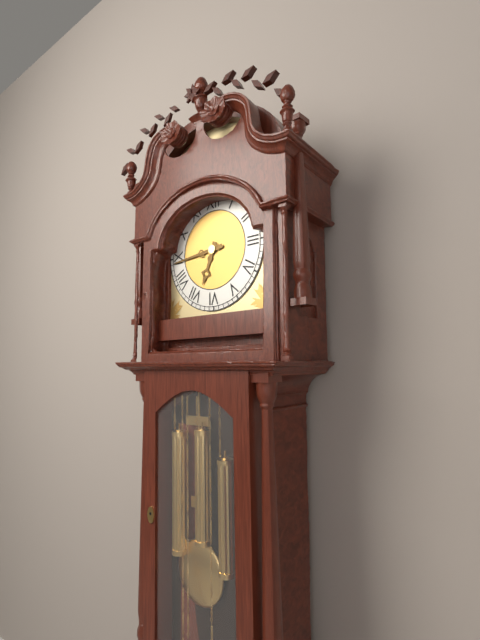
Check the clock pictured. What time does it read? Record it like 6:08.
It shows 6:44
